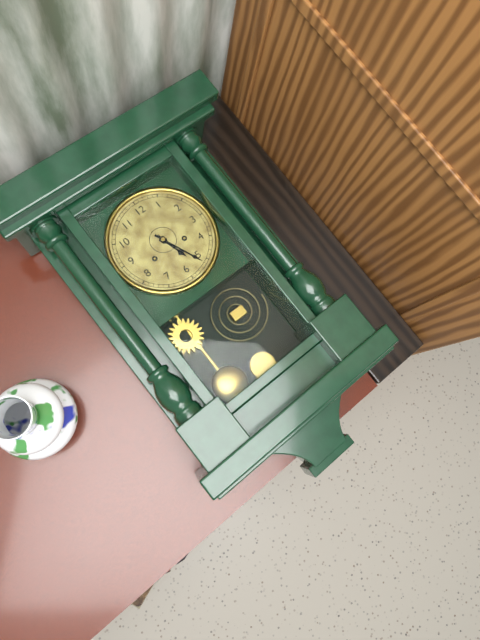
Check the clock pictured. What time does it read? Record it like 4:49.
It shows 5:26
